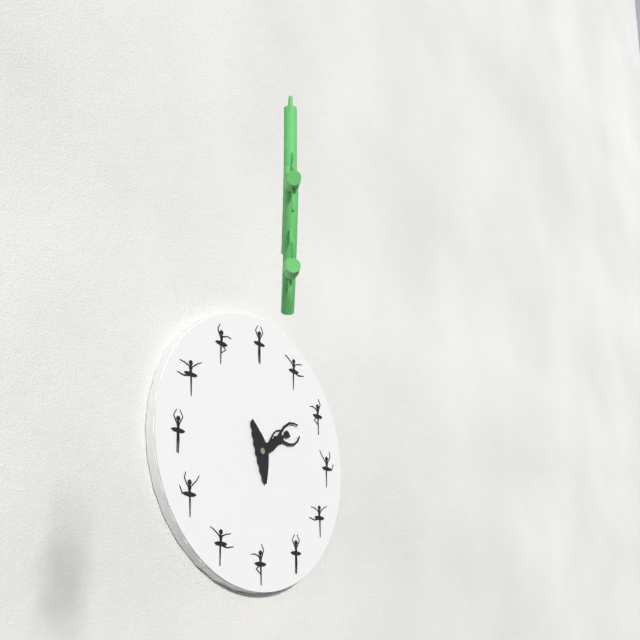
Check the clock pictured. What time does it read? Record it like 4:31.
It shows 2:12
